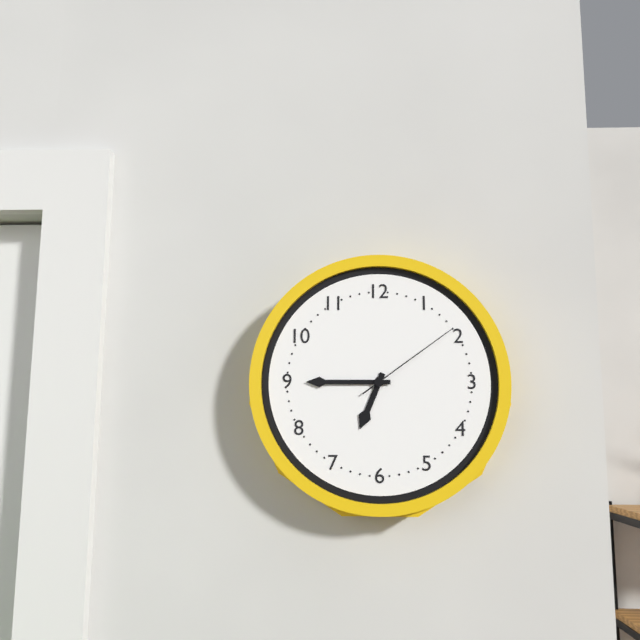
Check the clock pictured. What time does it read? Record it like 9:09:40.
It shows 6:45:09
